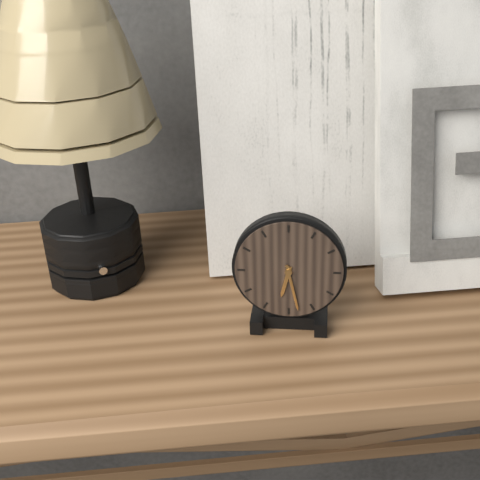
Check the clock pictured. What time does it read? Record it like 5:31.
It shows 6:28
